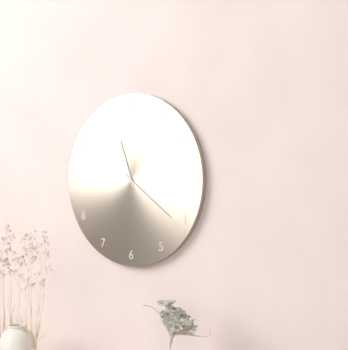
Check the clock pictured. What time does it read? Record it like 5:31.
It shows 11:21
